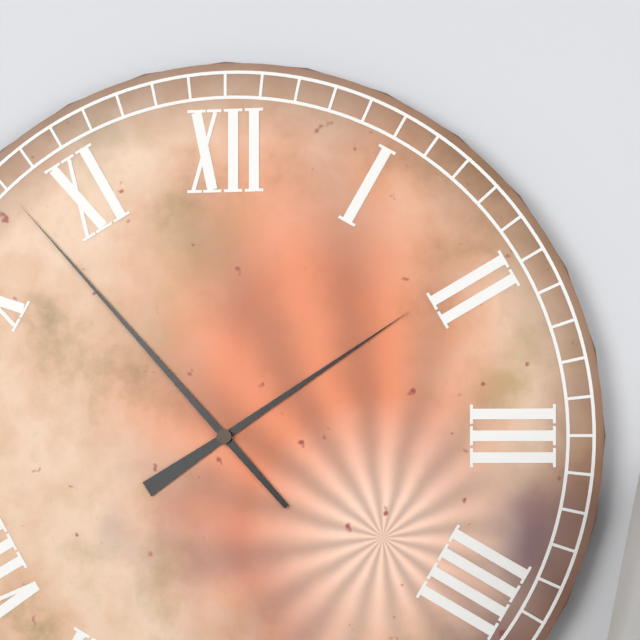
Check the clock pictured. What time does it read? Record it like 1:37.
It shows 1:53
